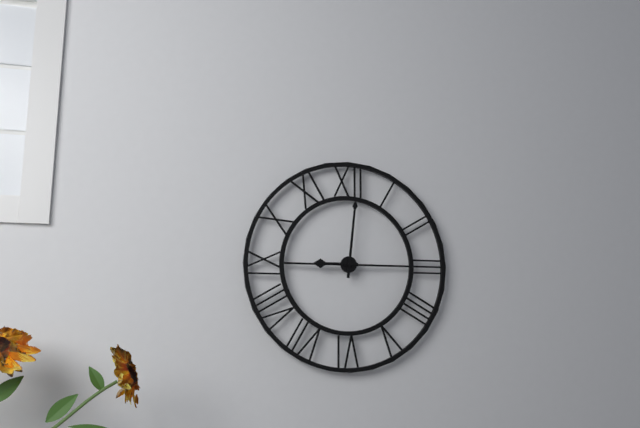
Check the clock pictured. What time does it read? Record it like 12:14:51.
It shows 9:01:45
